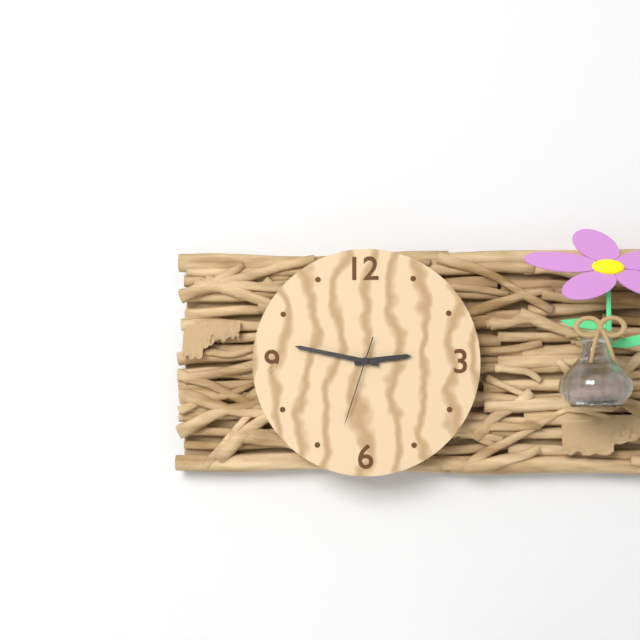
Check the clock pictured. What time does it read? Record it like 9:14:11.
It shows 2:47:33
